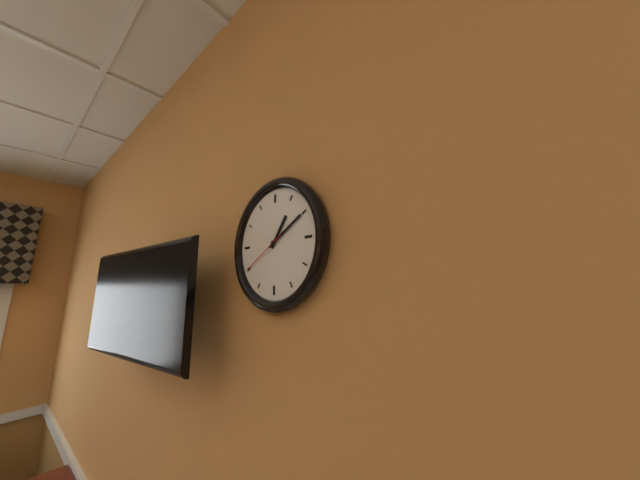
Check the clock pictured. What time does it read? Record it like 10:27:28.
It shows 1:10:40
